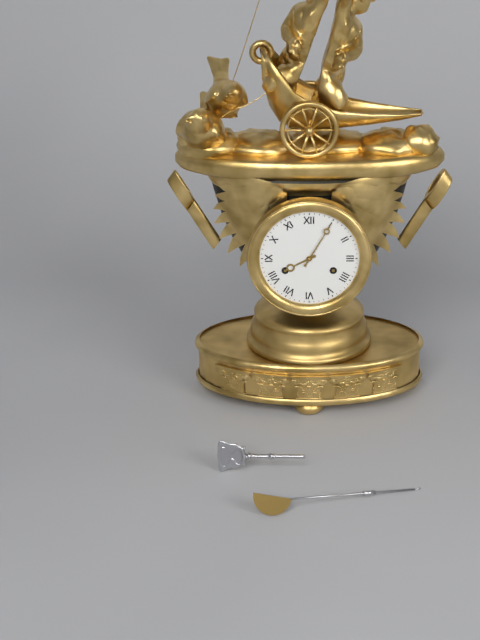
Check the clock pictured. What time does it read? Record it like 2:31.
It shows 8:05
